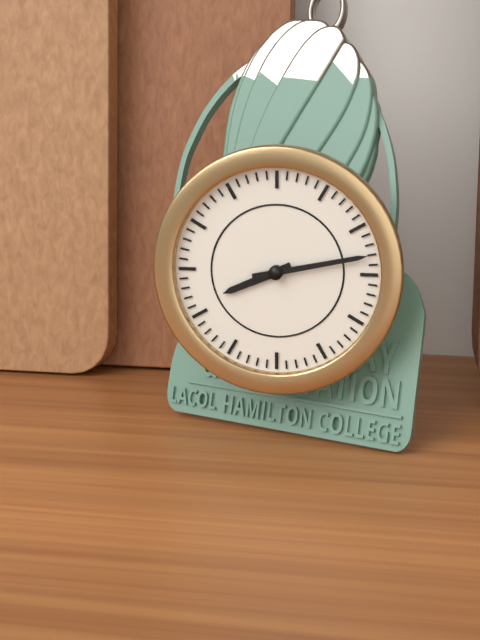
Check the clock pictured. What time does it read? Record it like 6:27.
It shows 8:13
